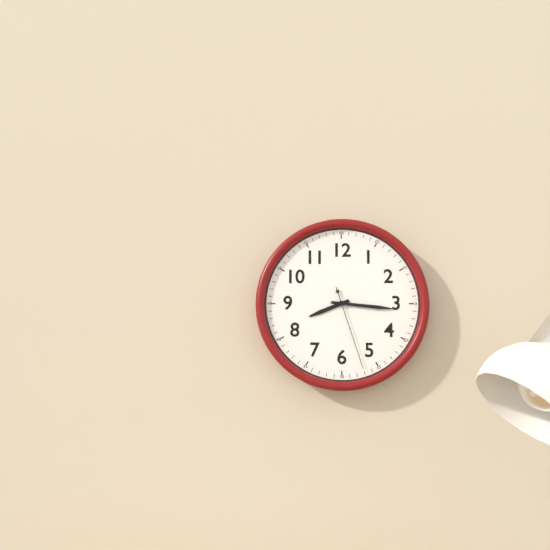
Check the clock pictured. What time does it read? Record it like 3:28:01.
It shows 8:16:27
